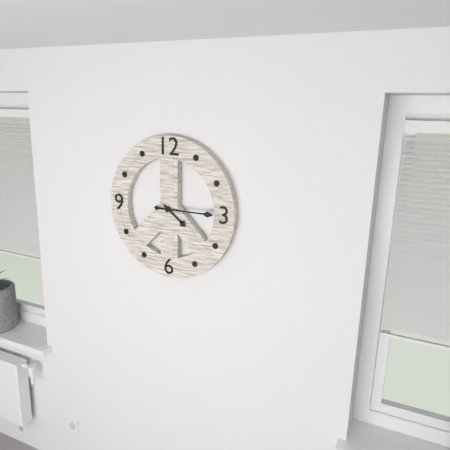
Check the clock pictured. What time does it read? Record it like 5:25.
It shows 4:15
